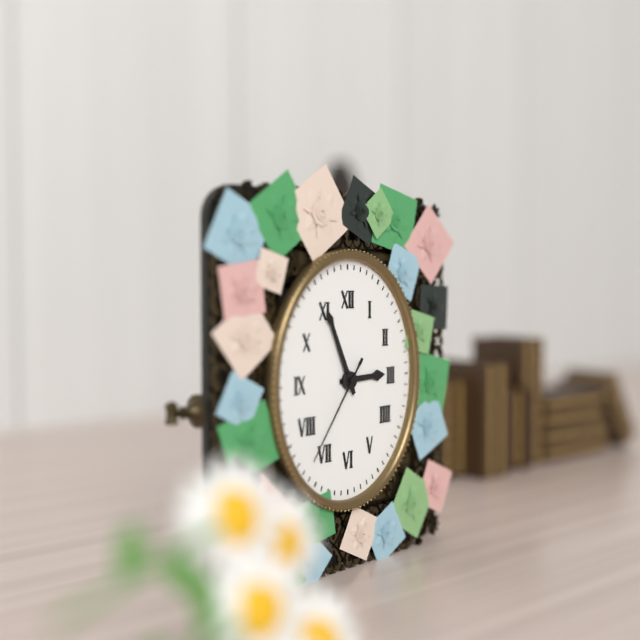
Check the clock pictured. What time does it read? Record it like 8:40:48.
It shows 2:56:36
